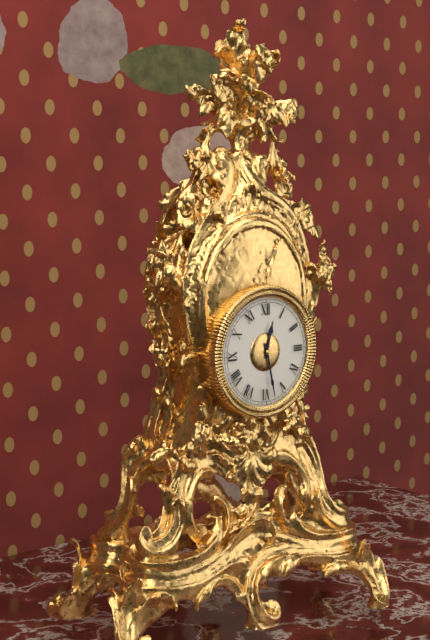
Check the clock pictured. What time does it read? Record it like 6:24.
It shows 12:28
